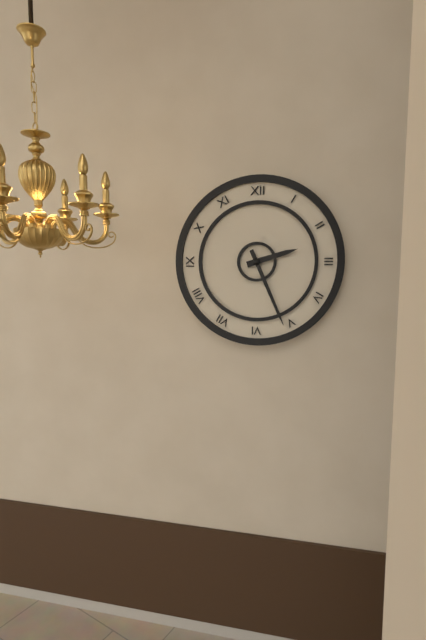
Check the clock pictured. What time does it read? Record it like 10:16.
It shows 2:26
